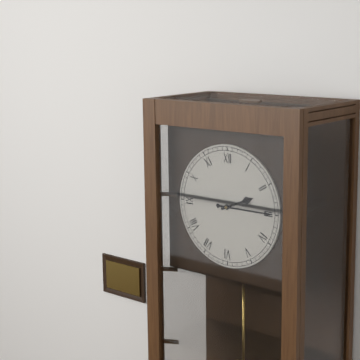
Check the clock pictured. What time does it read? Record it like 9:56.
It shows 2:15
